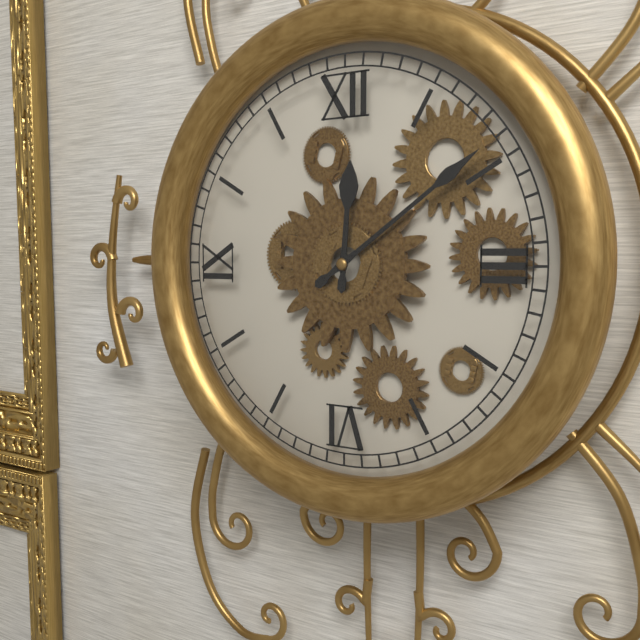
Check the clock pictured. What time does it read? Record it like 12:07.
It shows 12:09
